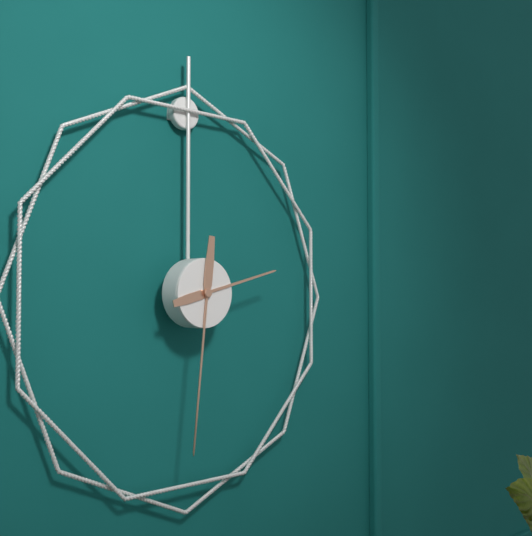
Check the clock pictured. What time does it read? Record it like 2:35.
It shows 2:31
